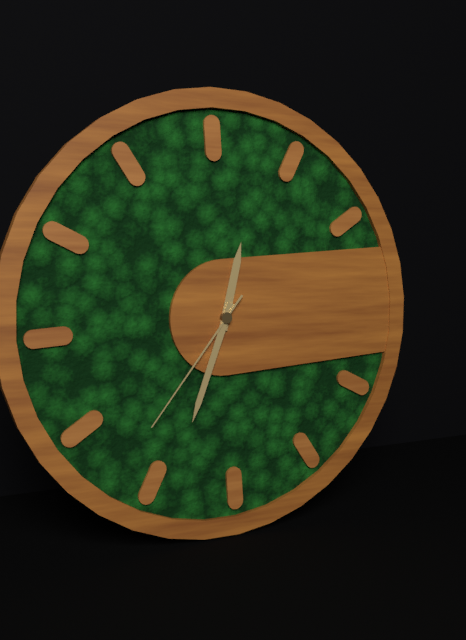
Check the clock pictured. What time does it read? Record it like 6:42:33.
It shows 12:34:37
